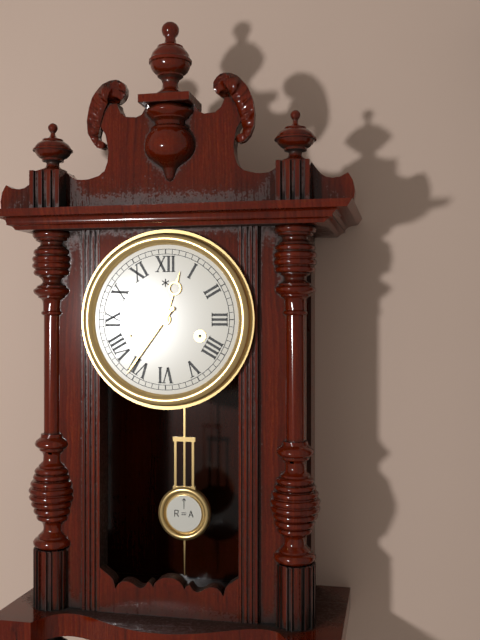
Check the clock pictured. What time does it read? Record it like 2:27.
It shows 12:36
